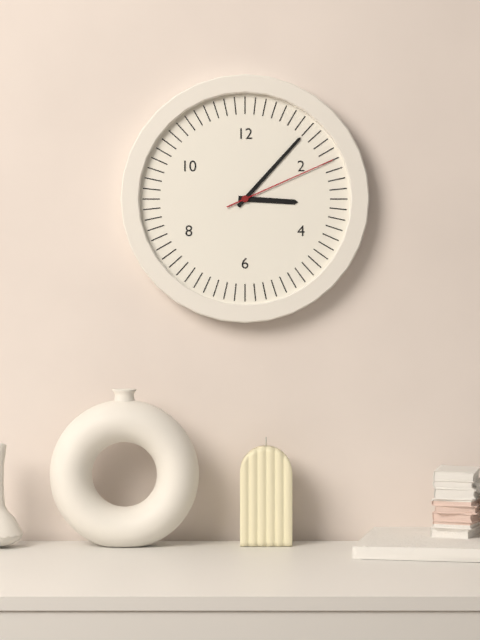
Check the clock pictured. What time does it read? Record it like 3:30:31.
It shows 3:07:11
